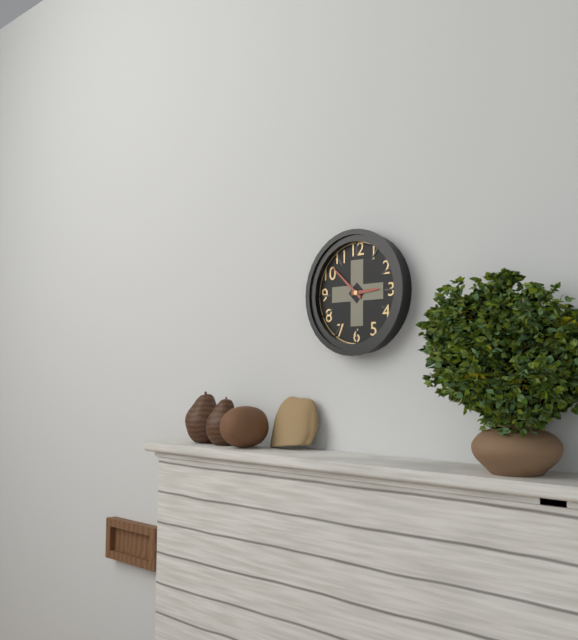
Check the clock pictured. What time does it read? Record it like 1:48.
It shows 2:52
